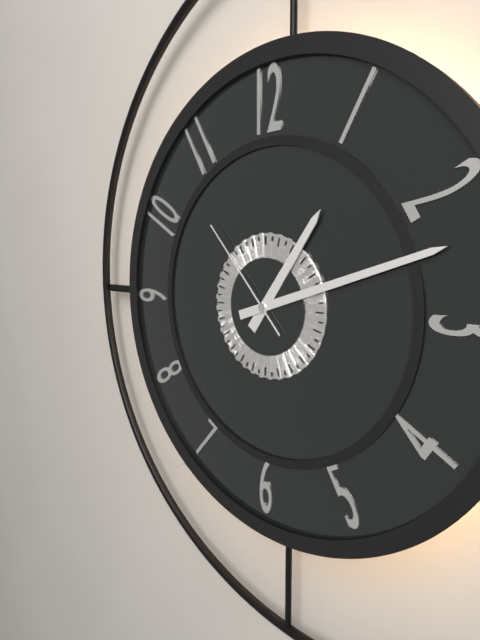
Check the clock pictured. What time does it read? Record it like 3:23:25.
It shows 1:12:53
